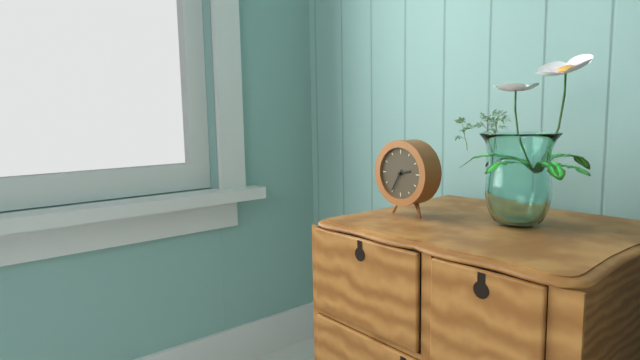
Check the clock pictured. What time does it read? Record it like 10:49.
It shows 2:35
